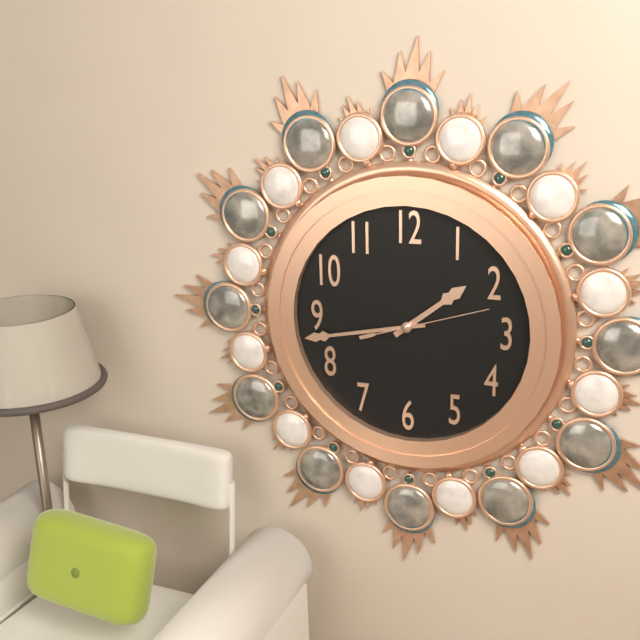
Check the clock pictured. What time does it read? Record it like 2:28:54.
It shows 1:43:12
